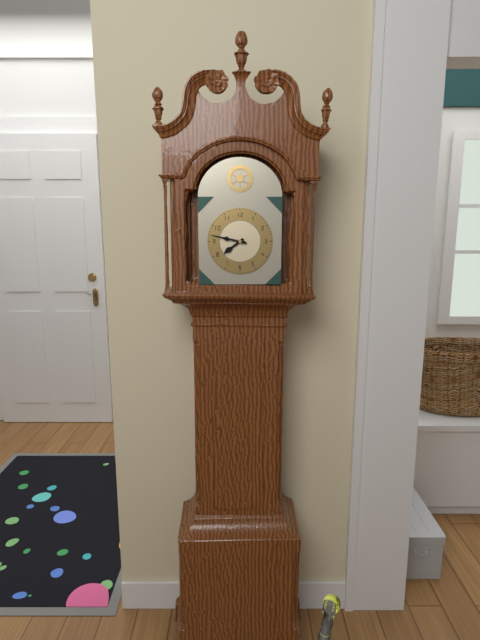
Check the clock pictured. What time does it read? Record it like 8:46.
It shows 7:47
